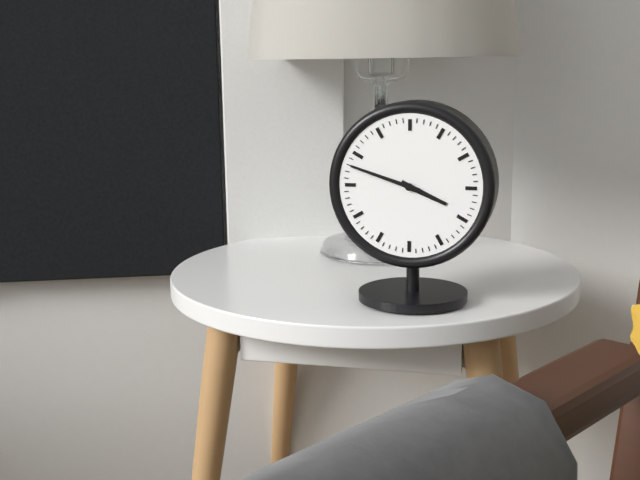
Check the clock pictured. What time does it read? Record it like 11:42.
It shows 3:48
